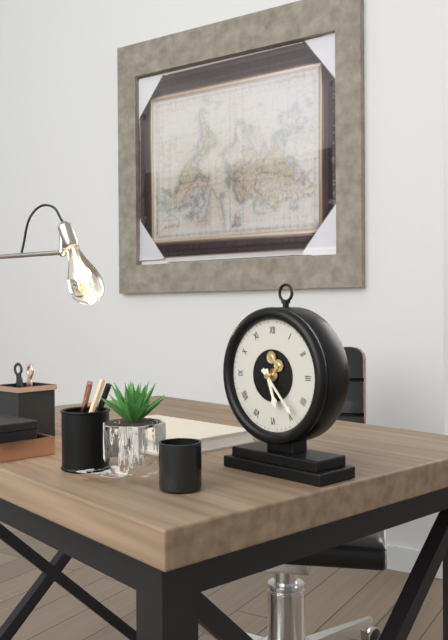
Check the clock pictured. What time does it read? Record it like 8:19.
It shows 5:23
